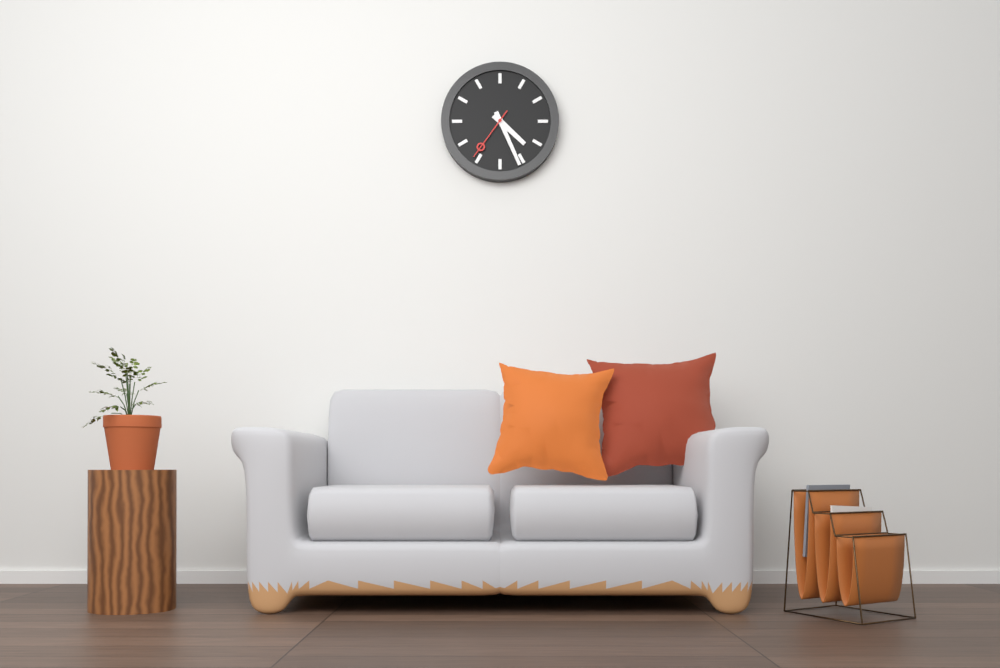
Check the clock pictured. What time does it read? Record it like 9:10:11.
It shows 4:26:36
